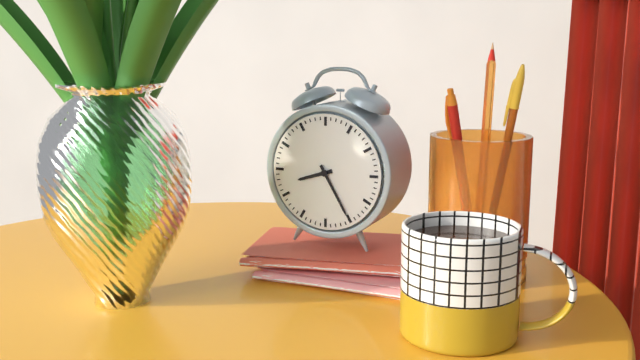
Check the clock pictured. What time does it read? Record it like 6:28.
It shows 8:25
